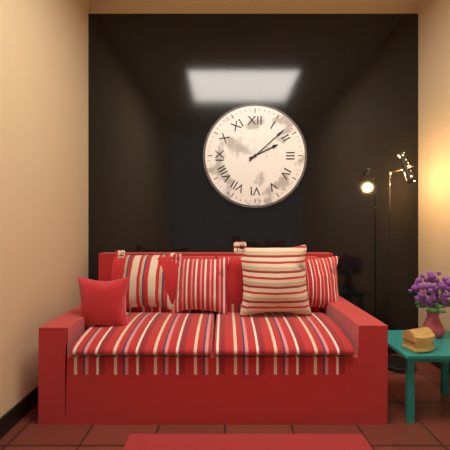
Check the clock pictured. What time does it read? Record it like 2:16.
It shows 2:08
